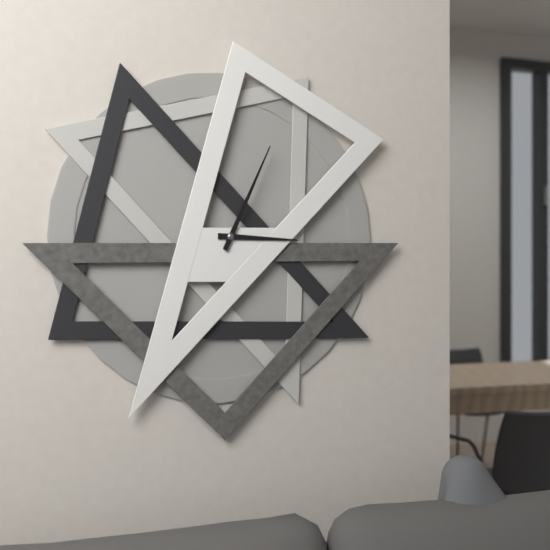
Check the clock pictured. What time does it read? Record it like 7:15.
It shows 3:04
